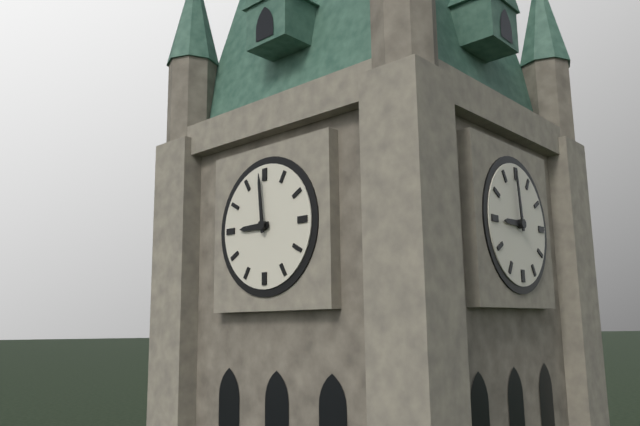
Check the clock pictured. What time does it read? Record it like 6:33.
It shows 8:59
